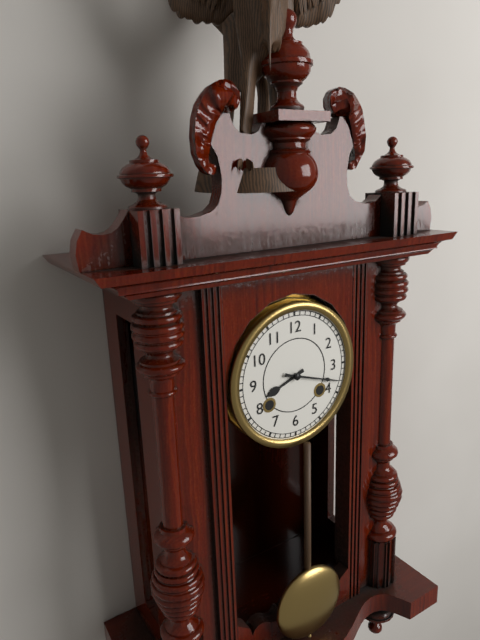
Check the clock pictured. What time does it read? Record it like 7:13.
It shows 8:18
